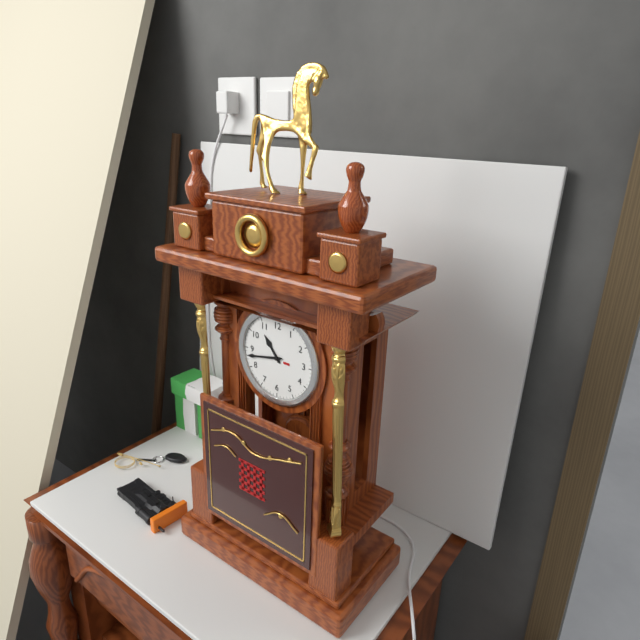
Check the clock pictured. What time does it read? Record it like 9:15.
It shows 10:43
